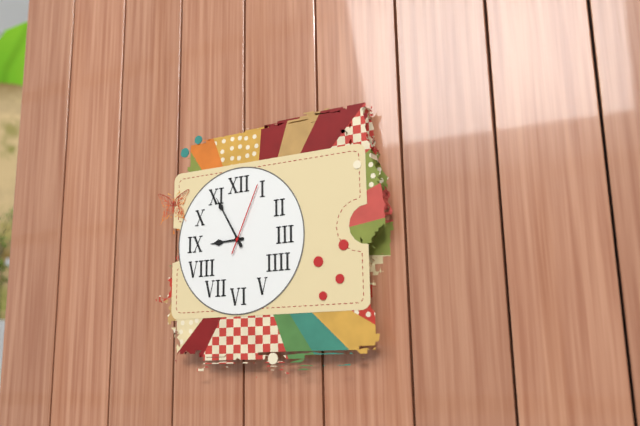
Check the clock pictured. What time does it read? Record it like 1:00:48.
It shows 8:55:04
